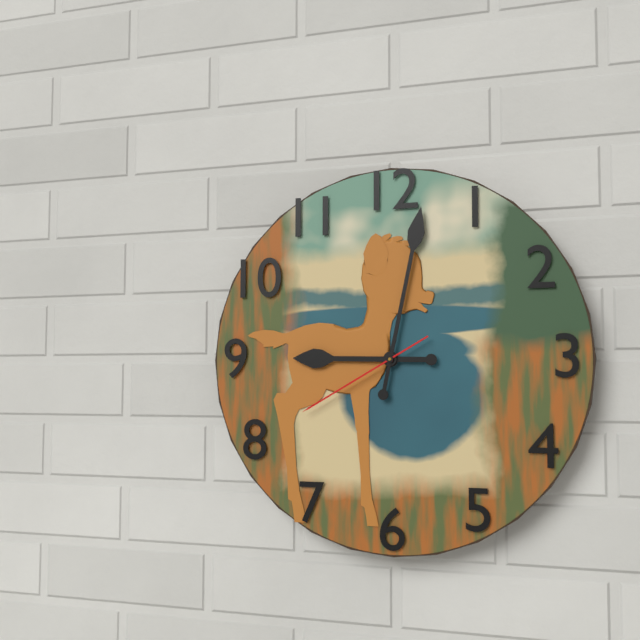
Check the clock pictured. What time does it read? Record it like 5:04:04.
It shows 9:02:40
